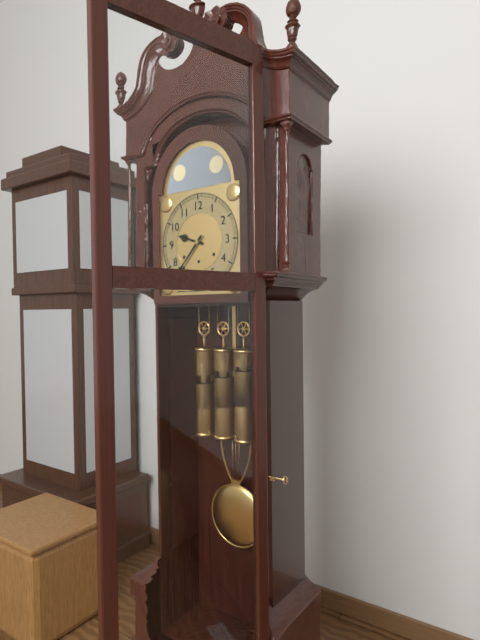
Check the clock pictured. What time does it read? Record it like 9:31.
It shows 9:37
